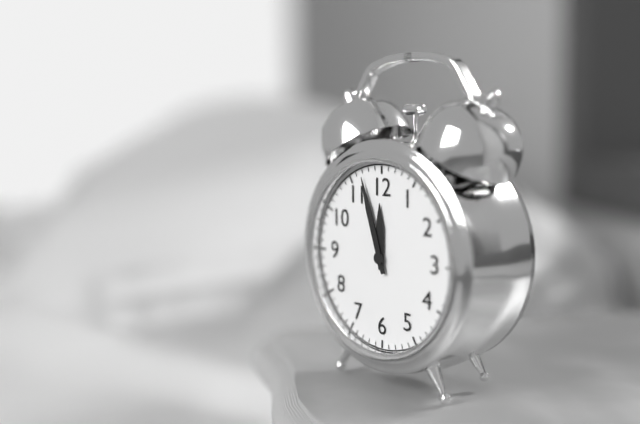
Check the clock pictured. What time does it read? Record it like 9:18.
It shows 11:57
